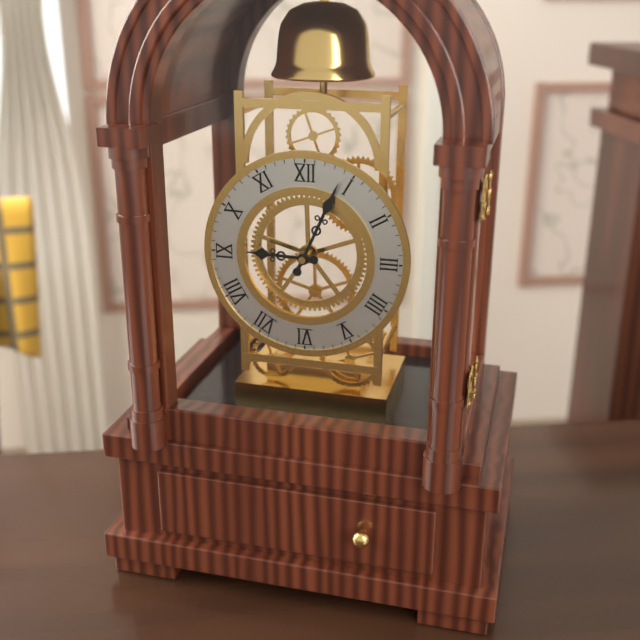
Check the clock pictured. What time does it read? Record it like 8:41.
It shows 9:04
